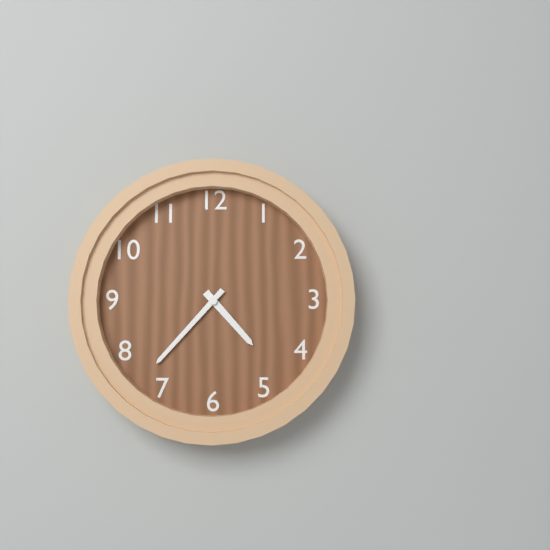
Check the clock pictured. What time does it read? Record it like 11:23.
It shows 4:37
